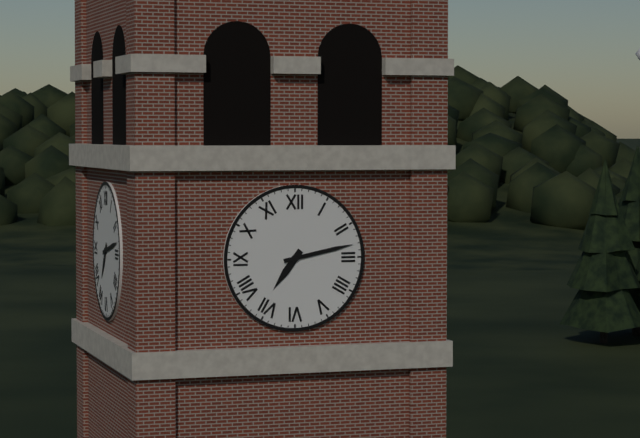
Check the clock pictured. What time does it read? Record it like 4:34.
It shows 7:13
